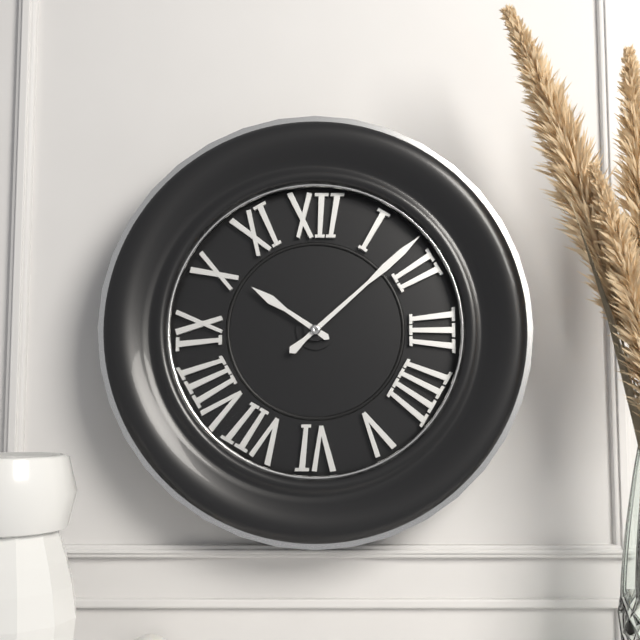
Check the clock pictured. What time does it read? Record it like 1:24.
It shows 10:08
